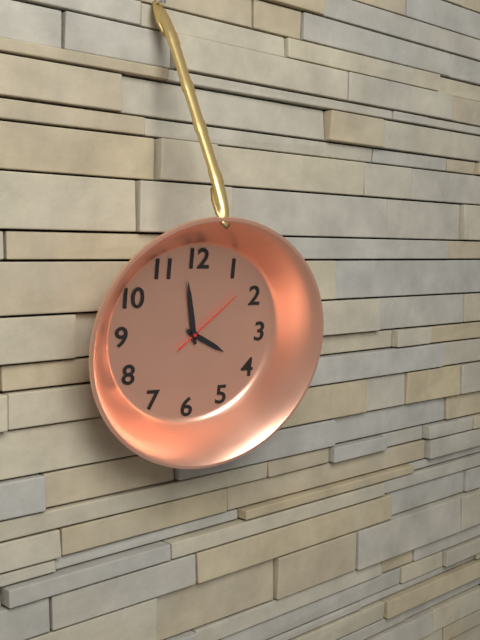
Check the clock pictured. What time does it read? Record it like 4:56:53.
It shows 3:58:08
